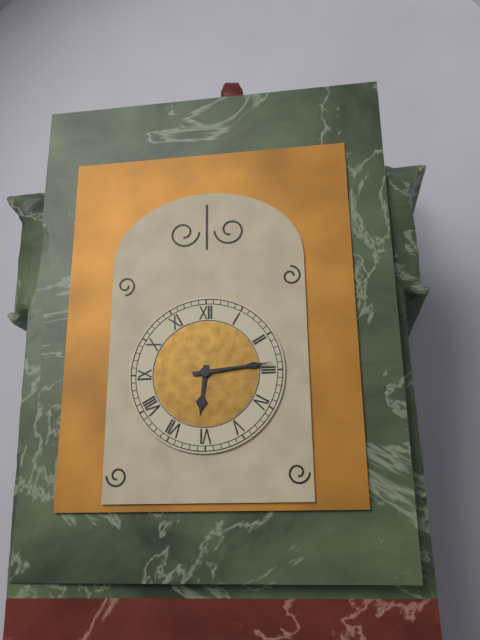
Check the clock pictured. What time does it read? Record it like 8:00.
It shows 6:14
